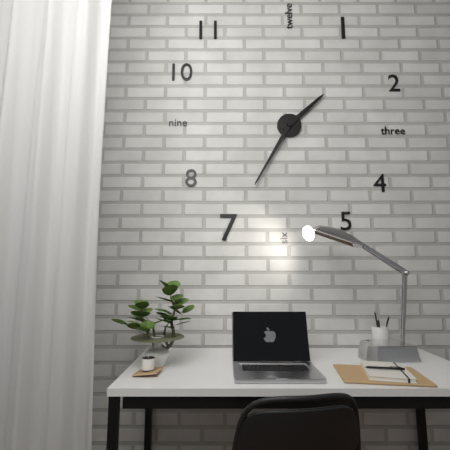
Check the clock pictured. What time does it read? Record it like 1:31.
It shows 1:35
